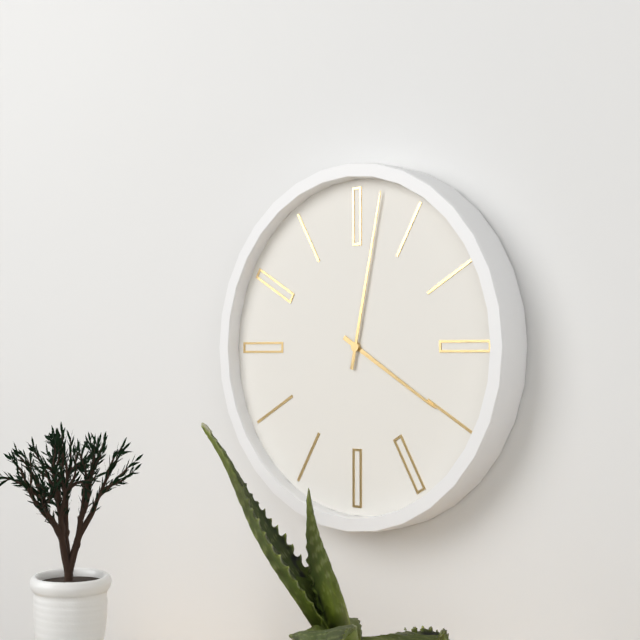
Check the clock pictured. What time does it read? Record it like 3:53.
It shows 4:02
